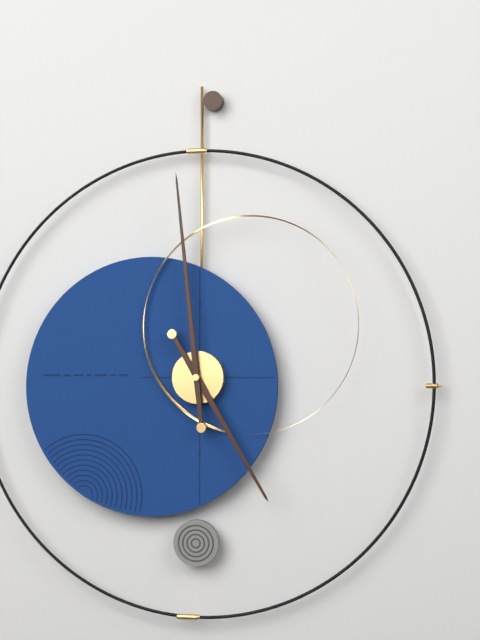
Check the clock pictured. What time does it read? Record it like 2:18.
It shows 4:59
